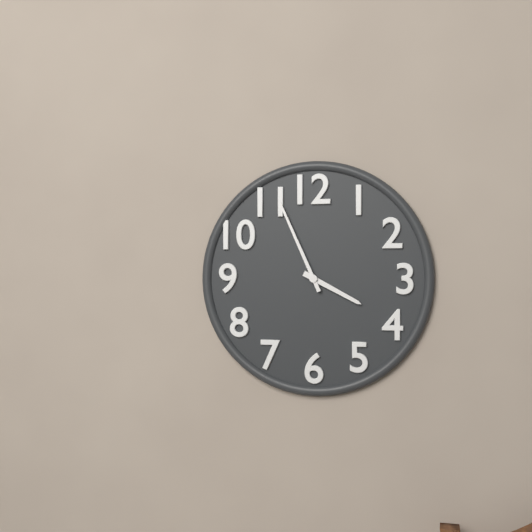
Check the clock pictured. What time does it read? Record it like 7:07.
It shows 3:56
